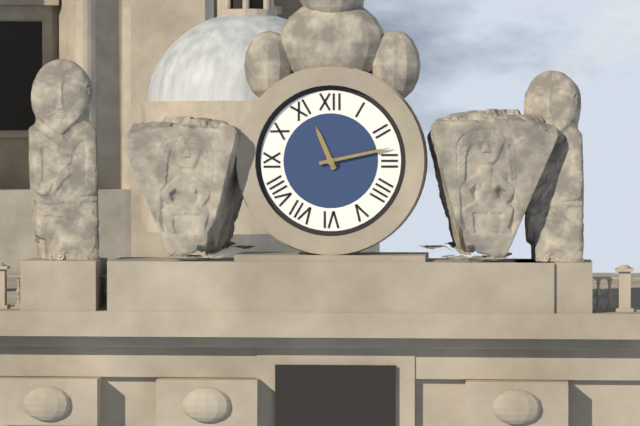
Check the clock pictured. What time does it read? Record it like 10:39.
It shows 11:13
